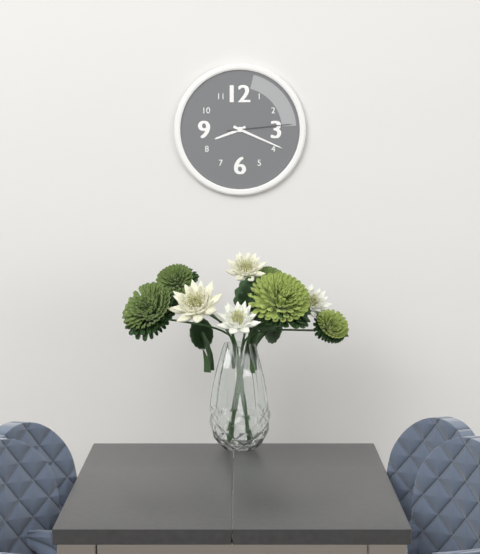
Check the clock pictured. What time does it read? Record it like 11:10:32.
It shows 8:19:14
